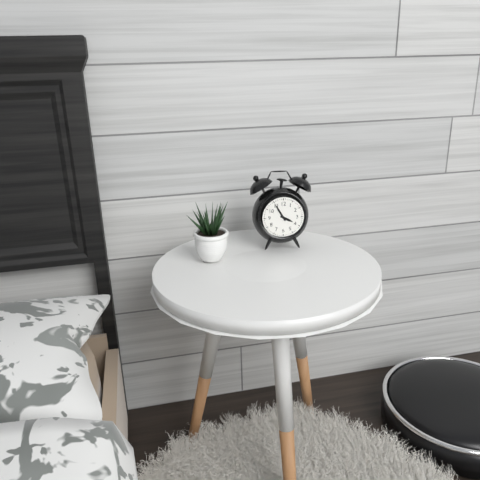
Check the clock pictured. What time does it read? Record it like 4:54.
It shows 3:55
